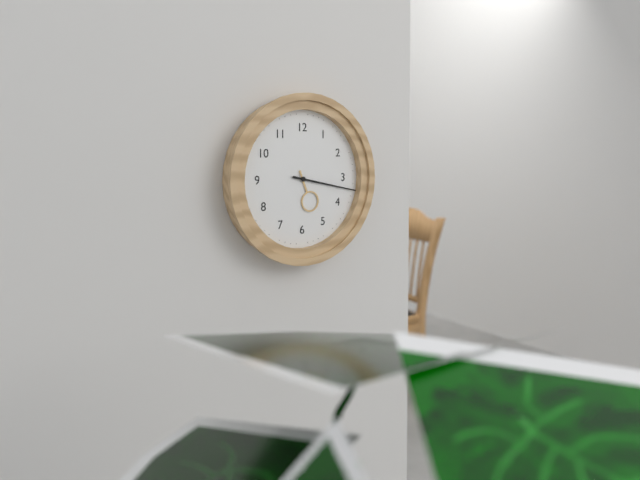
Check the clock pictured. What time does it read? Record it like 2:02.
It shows 5:17
